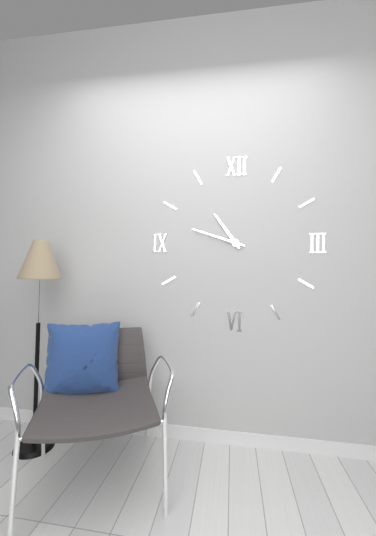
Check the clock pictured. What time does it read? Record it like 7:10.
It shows 10:48
